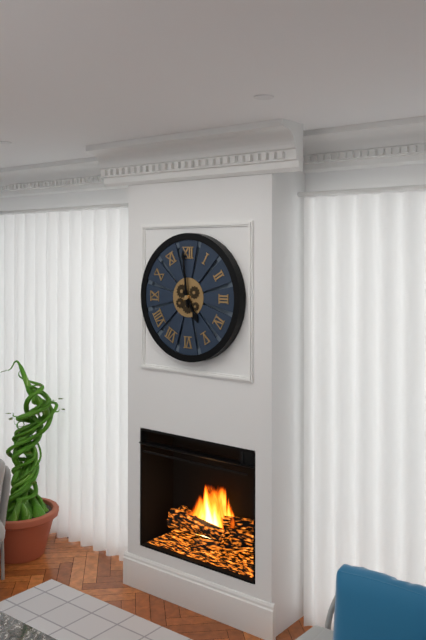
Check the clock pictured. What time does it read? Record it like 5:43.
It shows 4:59
